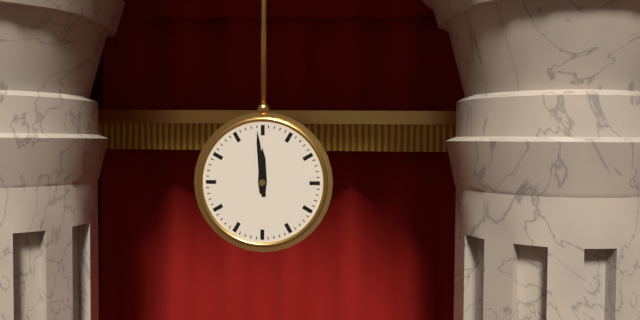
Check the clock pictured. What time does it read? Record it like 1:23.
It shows 11:59
